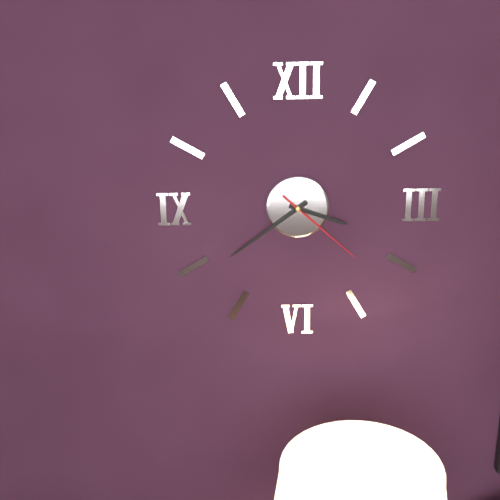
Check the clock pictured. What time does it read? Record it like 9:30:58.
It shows 3:39:22
